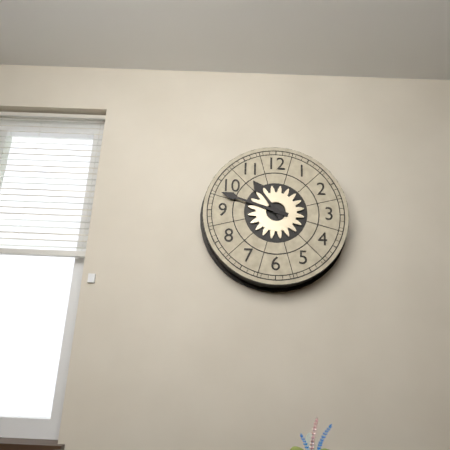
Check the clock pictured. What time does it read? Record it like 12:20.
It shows 10:48
